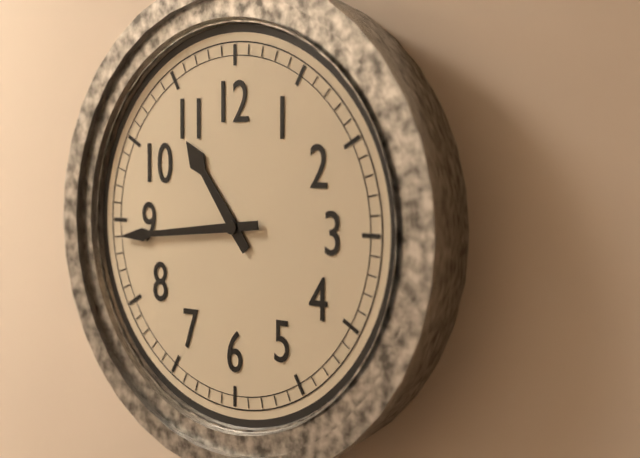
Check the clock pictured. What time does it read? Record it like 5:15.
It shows 10:44
